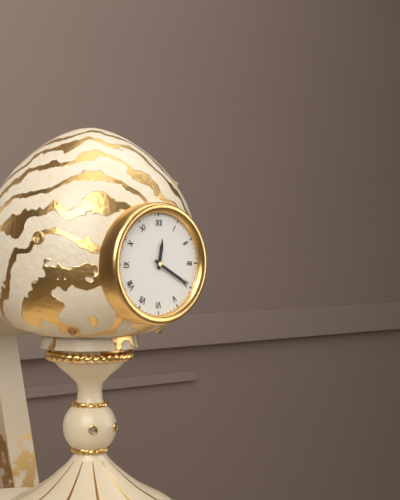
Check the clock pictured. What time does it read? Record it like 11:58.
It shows 12:20
